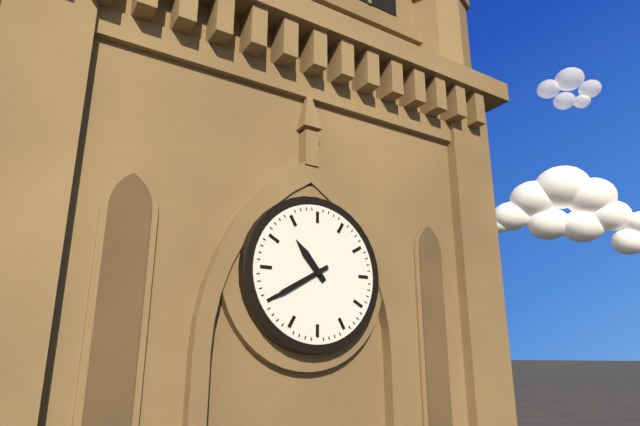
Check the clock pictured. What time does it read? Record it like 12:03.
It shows 10:40
